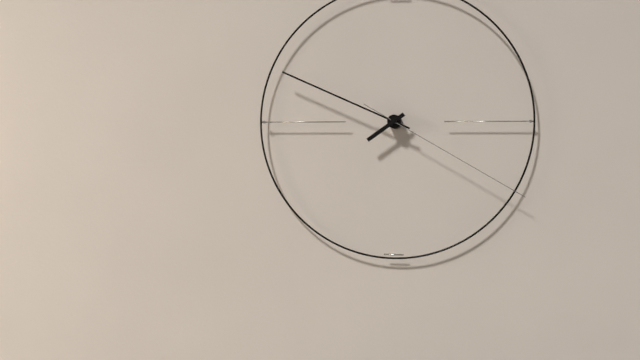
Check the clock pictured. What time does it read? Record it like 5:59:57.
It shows 7:49:20
